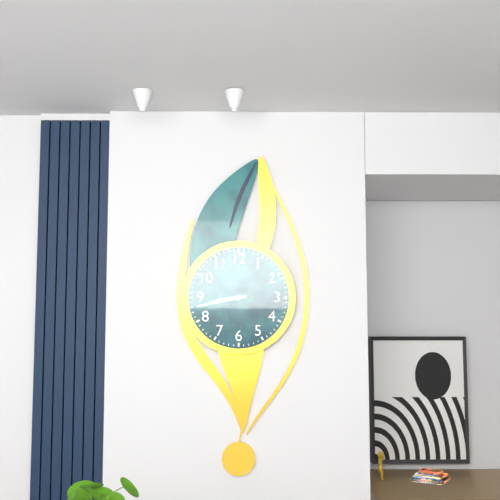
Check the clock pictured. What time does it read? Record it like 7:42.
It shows 8:43
